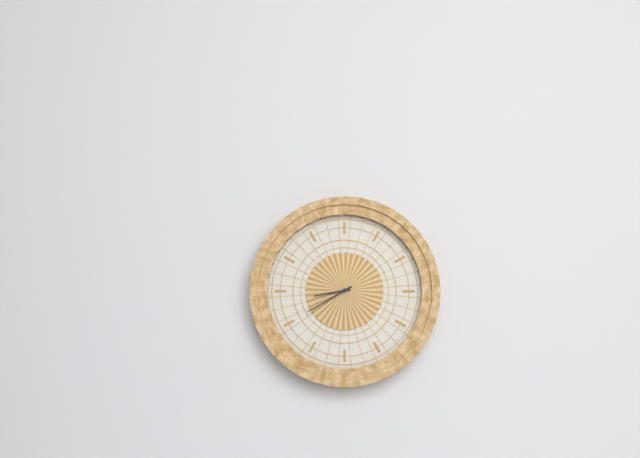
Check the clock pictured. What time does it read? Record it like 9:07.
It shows 8:40
